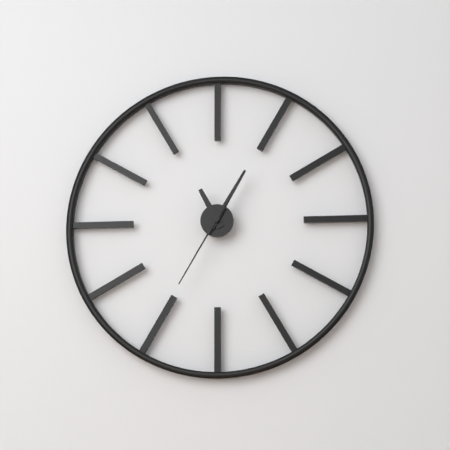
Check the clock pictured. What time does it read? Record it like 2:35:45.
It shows 11:05:35
